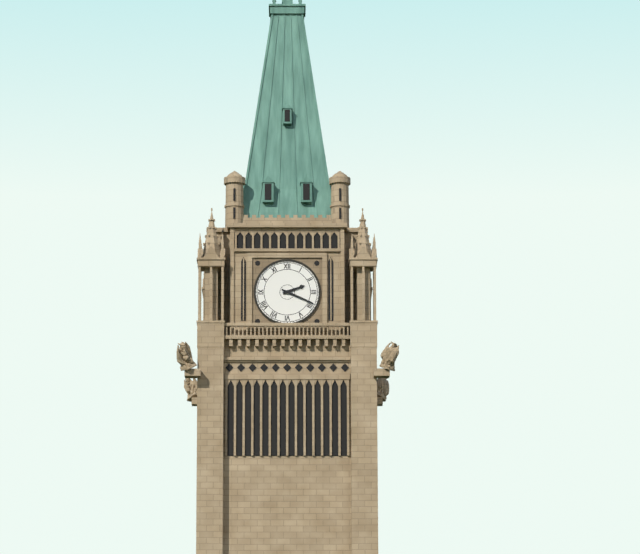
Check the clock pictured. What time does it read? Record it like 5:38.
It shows 2:19
